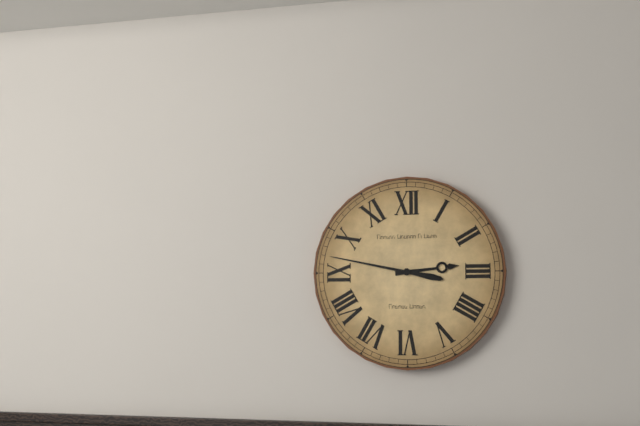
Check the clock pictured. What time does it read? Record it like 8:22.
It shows 2:47
